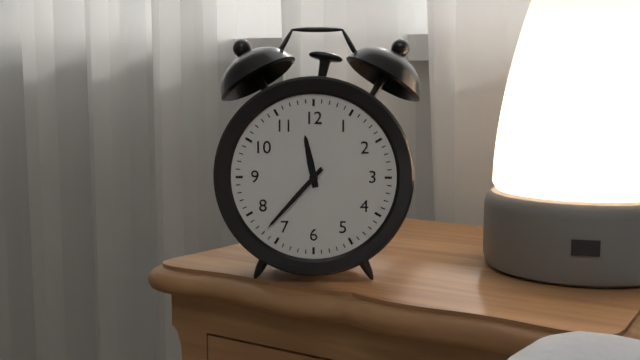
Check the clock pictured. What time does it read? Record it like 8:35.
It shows 11:37
